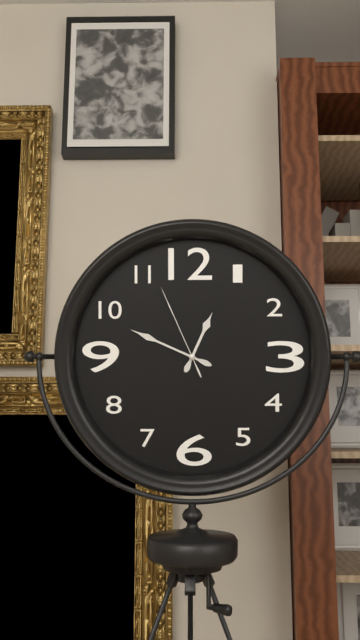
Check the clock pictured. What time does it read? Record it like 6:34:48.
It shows 12:49:56
